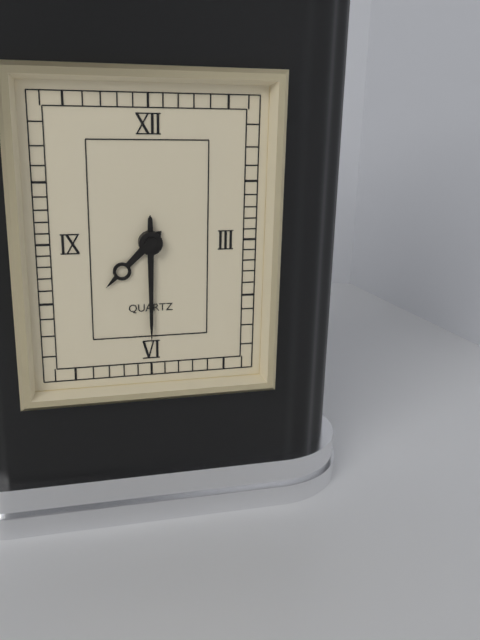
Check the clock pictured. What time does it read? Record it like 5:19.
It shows 7:30
